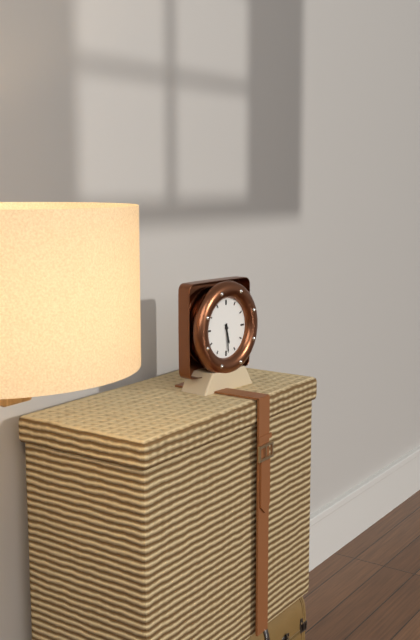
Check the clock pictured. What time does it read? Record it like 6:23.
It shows 5:29
